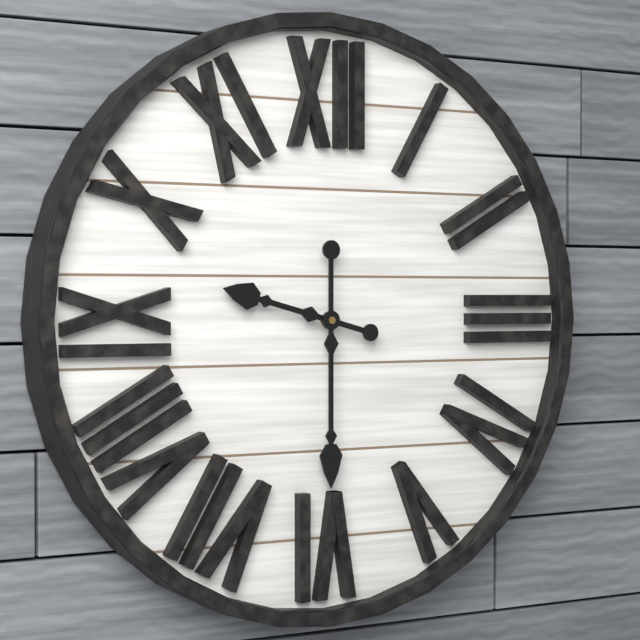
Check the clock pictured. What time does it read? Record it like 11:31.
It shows 9:30
